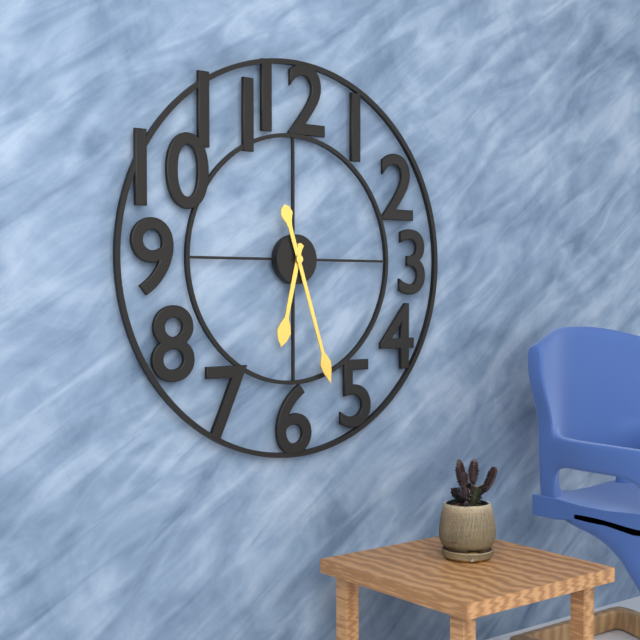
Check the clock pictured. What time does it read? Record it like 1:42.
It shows 6:27
